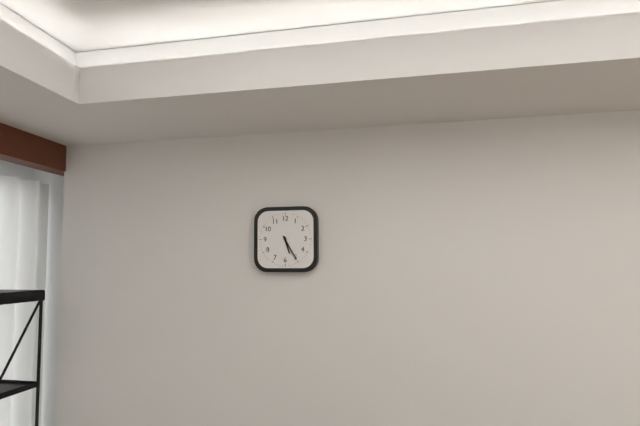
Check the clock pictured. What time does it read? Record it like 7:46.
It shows 5:25
